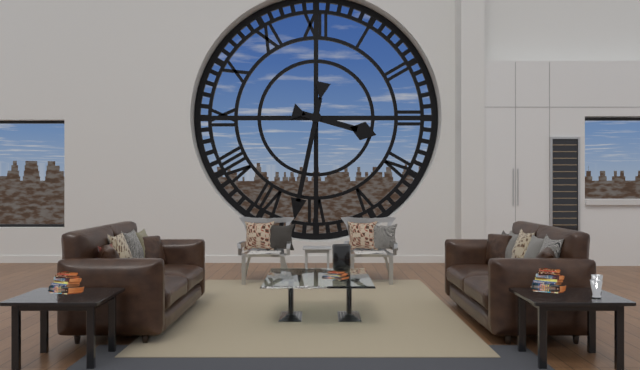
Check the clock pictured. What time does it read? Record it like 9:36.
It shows 3:32
